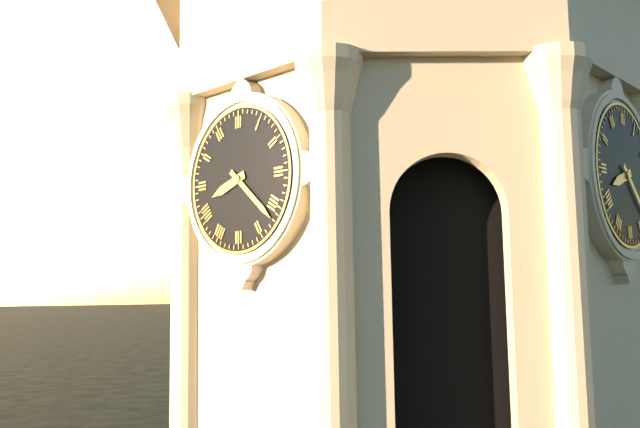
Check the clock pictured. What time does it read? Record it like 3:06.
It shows 8:22
